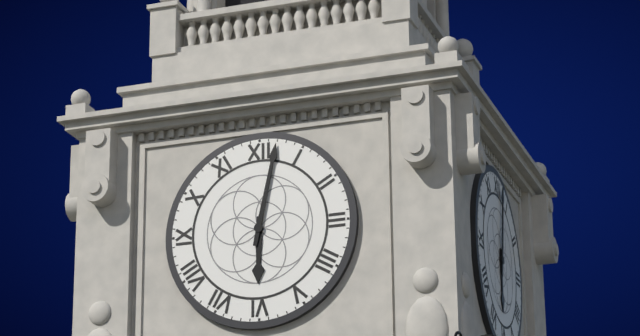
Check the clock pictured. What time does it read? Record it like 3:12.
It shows 6:02
